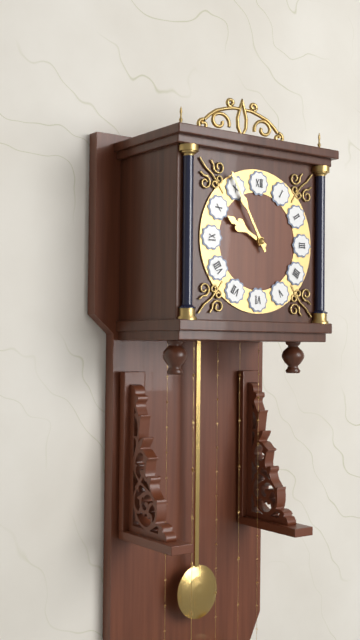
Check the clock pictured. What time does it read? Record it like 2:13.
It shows 9:55
